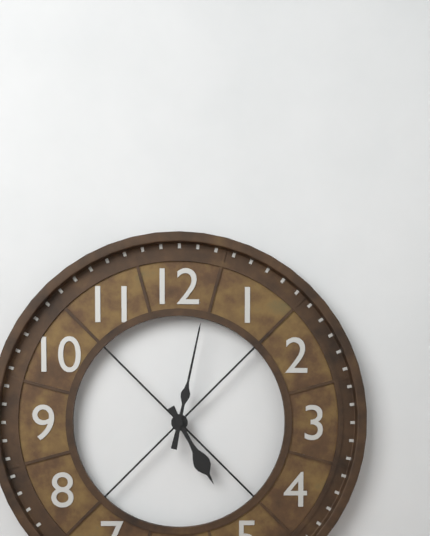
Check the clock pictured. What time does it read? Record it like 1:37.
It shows 5:02
